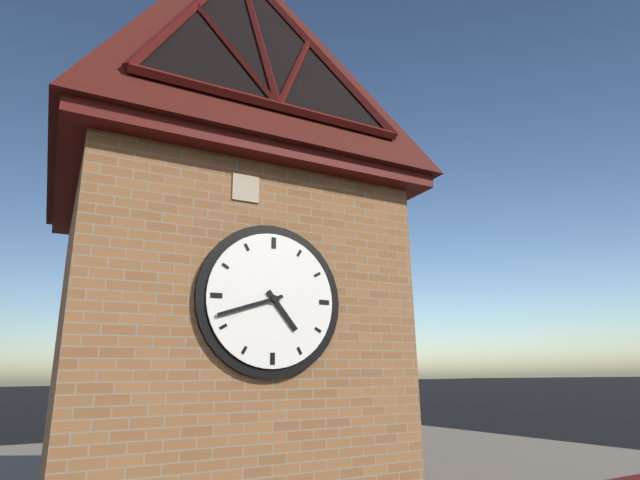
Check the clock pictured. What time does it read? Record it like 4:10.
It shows 4:42
